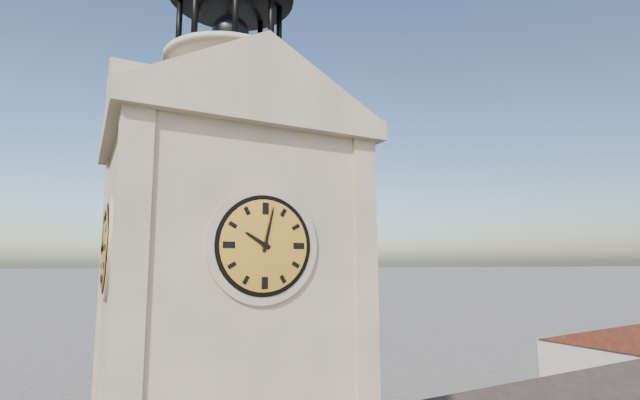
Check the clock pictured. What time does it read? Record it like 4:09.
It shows 10:02
